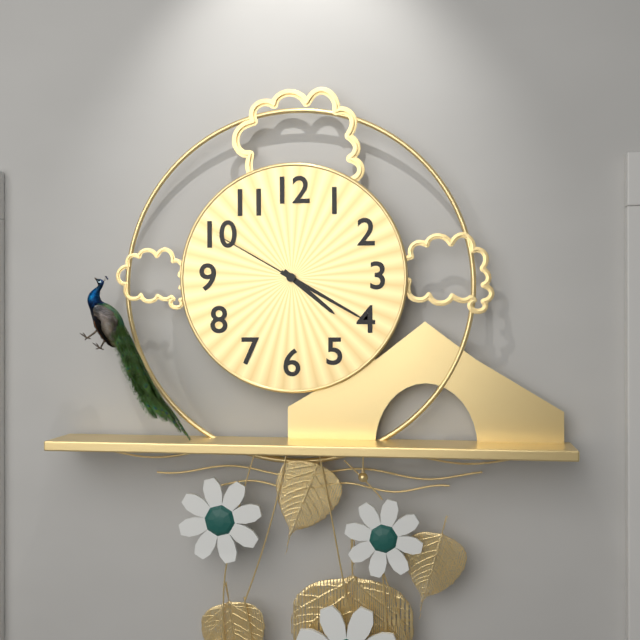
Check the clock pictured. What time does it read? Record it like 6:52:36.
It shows 4:20:50
